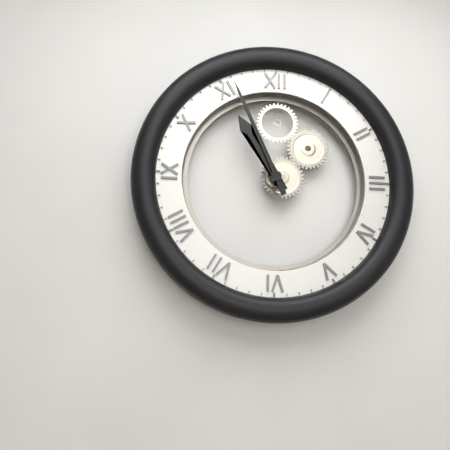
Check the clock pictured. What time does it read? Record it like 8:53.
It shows 10:56
